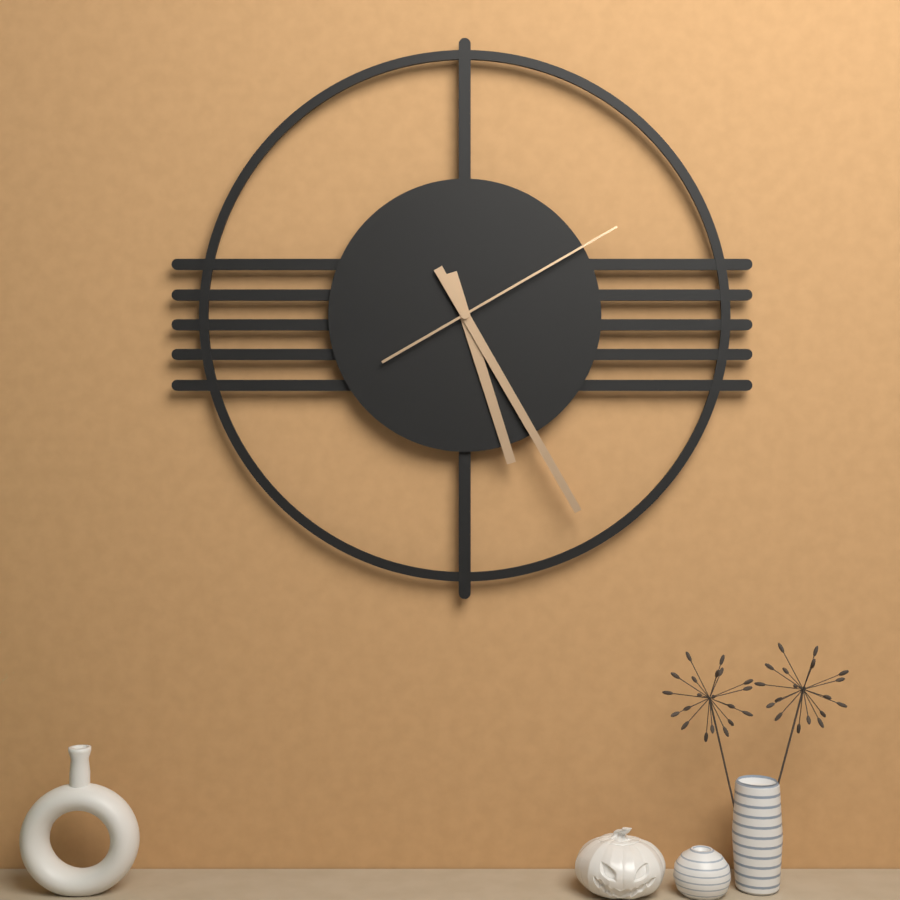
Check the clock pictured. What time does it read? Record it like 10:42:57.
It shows 5:25:10
